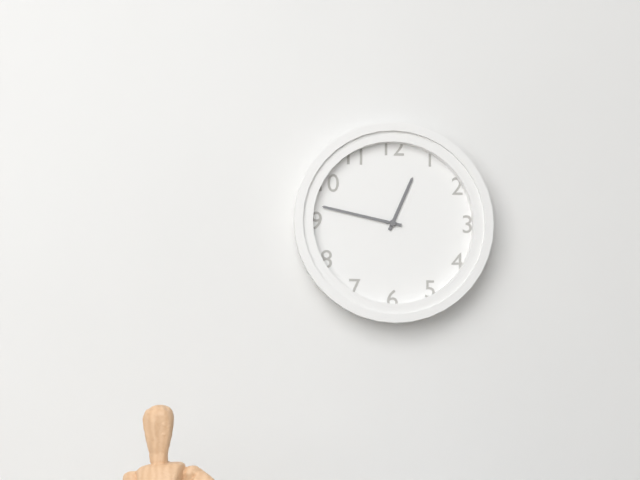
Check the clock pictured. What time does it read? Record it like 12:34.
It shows 12:47
